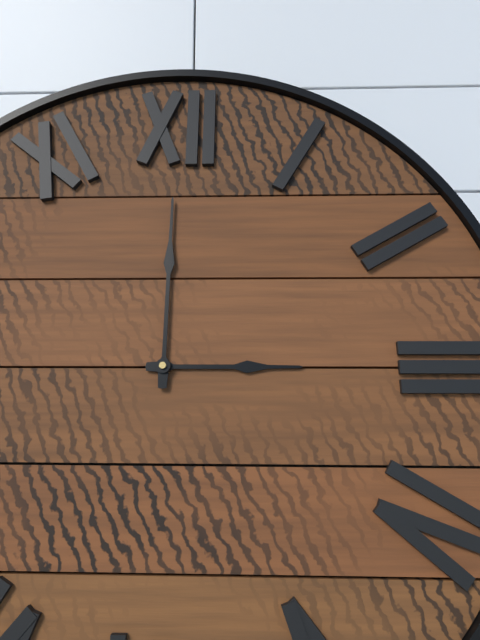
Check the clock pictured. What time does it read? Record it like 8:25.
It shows 3:00
